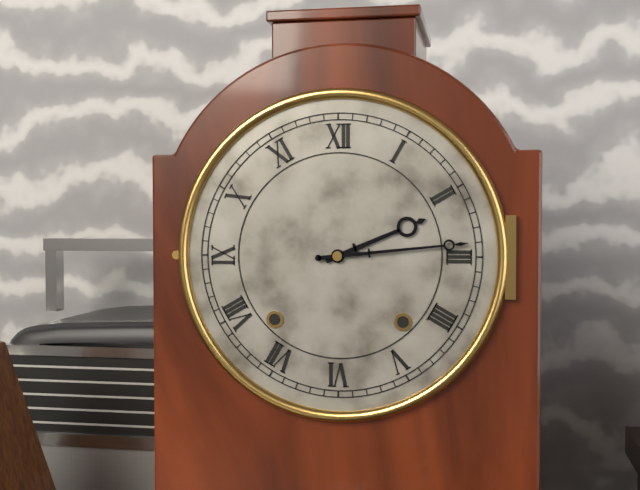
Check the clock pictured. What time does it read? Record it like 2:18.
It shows 2:14
